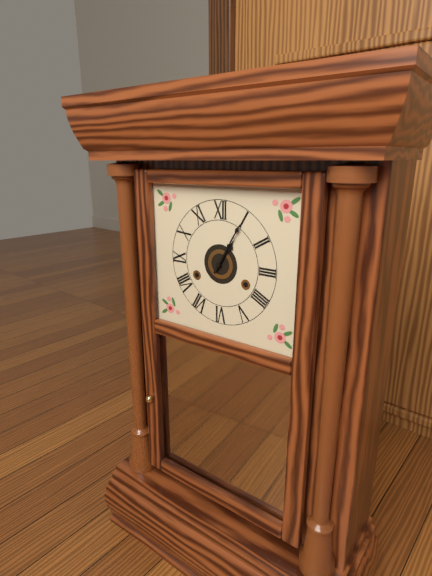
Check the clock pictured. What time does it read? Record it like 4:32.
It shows 1:05
